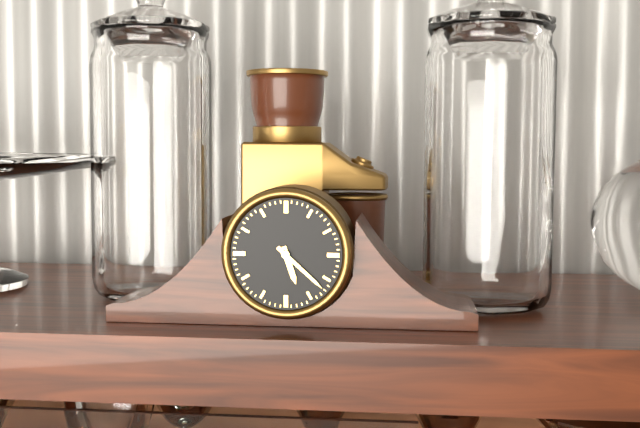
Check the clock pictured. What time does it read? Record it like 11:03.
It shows 5:22
